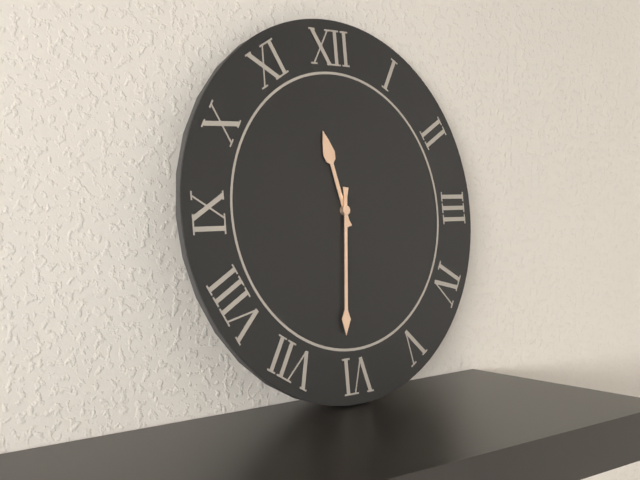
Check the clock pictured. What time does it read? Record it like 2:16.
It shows 11:31
